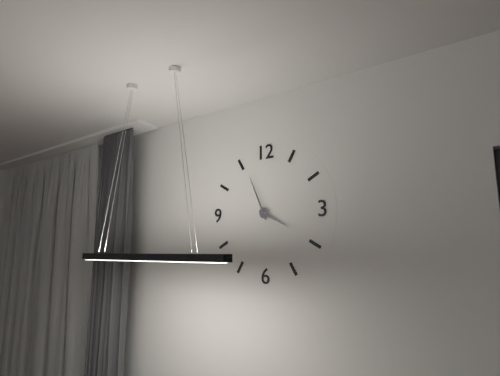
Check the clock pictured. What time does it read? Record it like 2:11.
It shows 3:56
